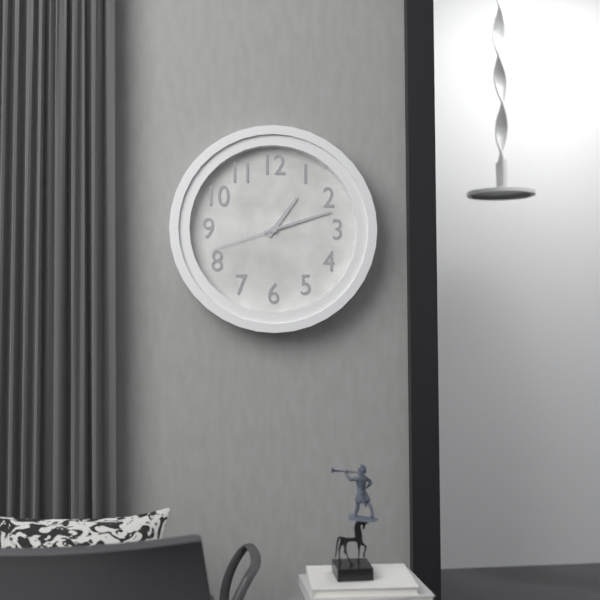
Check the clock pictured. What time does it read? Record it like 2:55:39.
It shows 1:12:42
